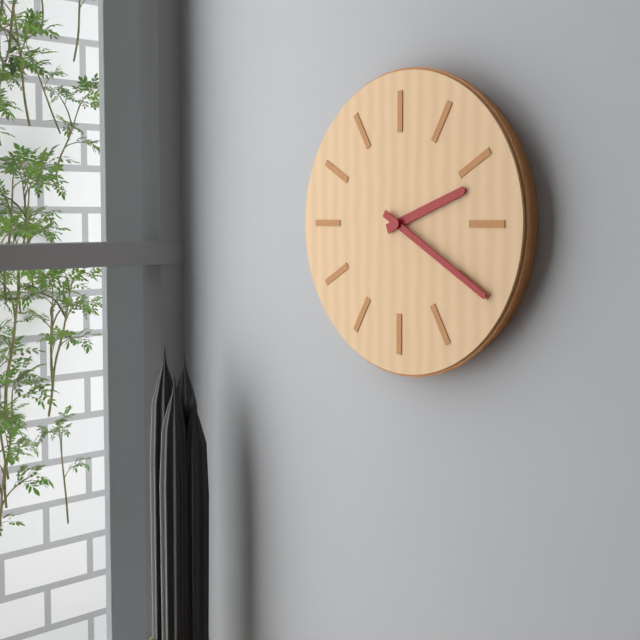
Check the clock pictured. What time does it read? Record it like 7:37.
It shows 2:20
